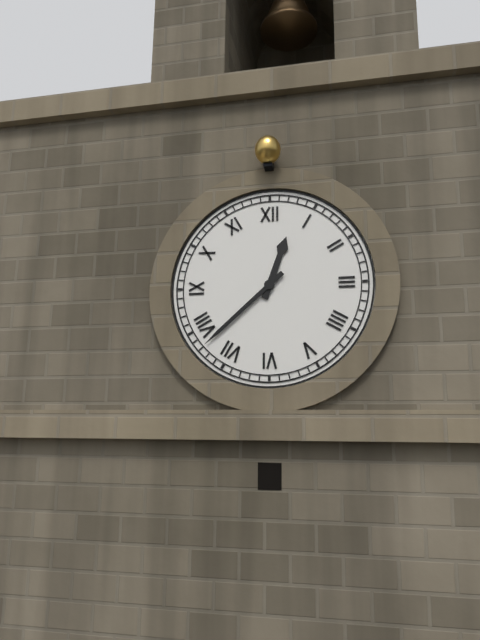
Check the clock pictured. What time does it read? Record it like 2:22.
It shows 12:38
